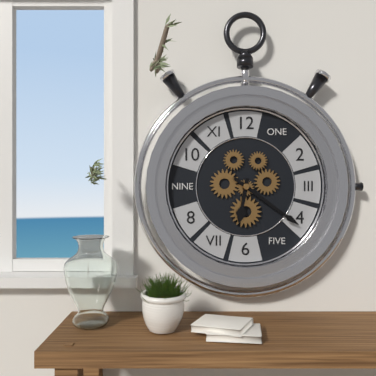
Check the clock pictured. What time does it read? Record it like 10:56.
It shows 6:21
